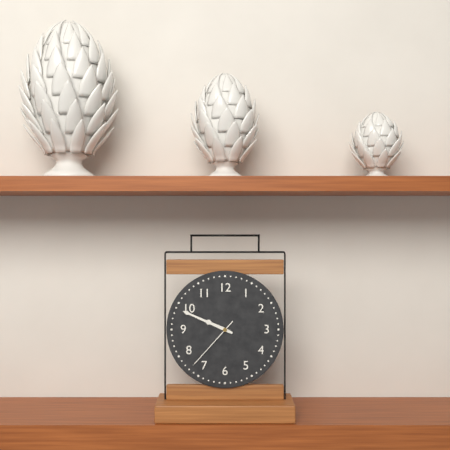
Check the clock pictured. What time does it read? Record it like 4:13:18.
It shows 9:49:37
